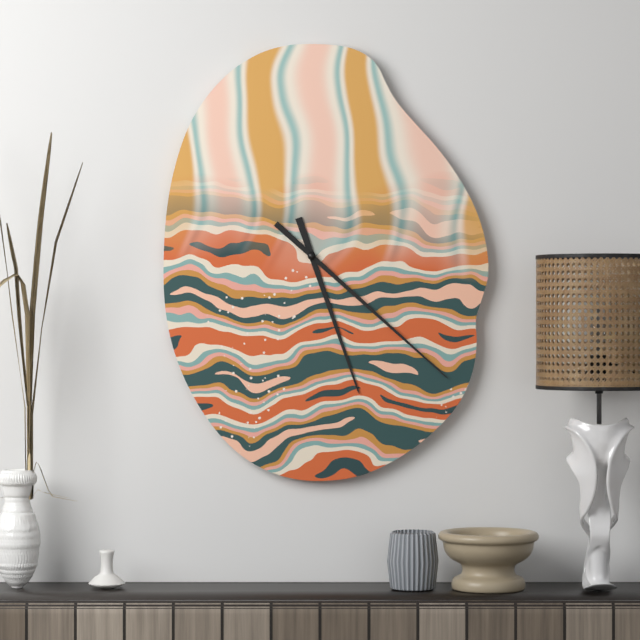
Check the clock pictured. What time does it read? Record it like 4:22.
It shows 5:22
